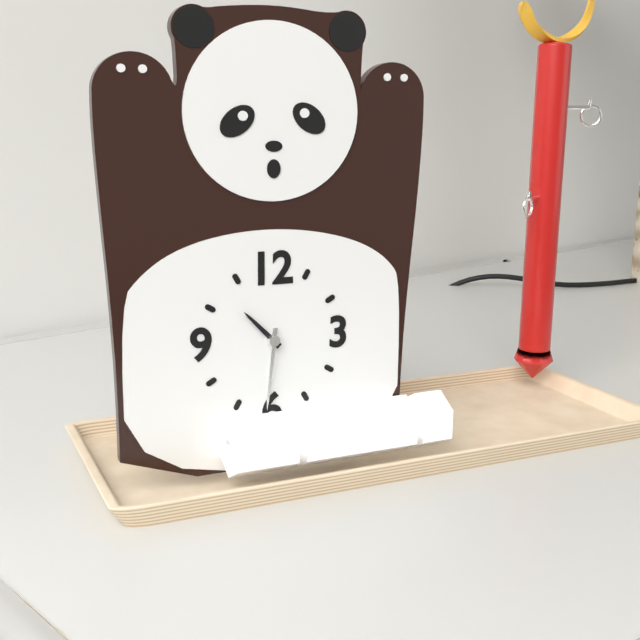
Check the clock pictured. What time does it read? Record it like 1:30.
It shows 10:31
